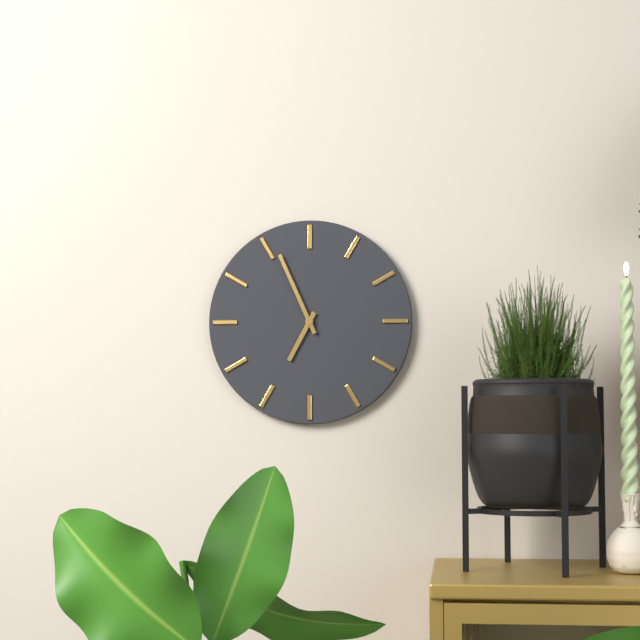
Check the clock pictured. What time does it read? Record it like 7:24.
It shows 6:56
